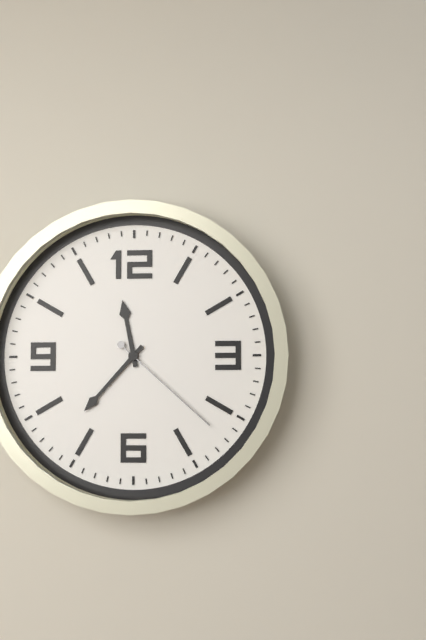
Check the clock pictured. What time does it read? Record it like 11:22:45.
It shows 11:37:22
